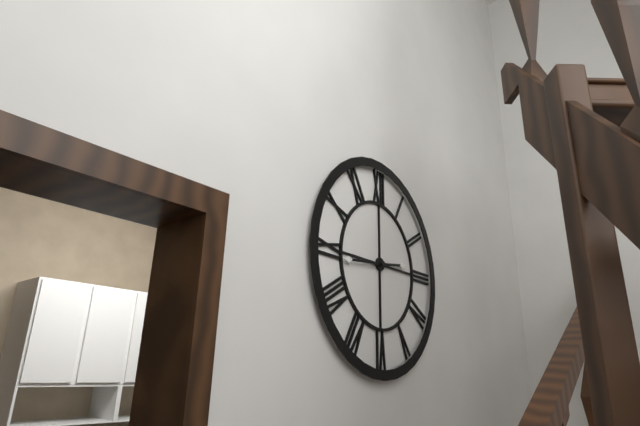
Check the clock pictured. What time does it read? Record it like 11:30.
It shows 2:44
